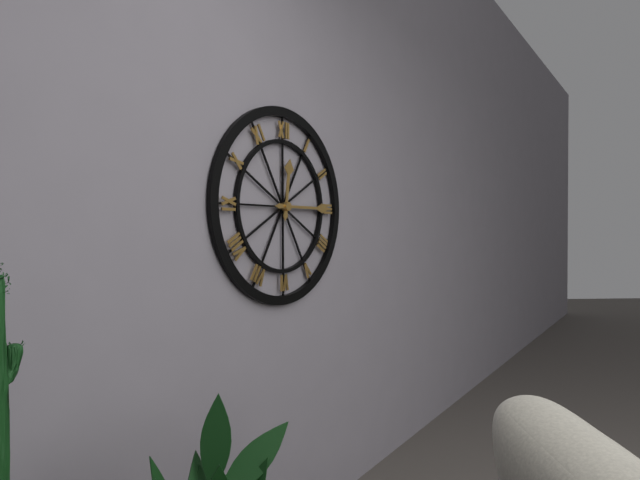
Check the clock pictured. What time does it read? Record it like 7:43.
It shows 12:15
